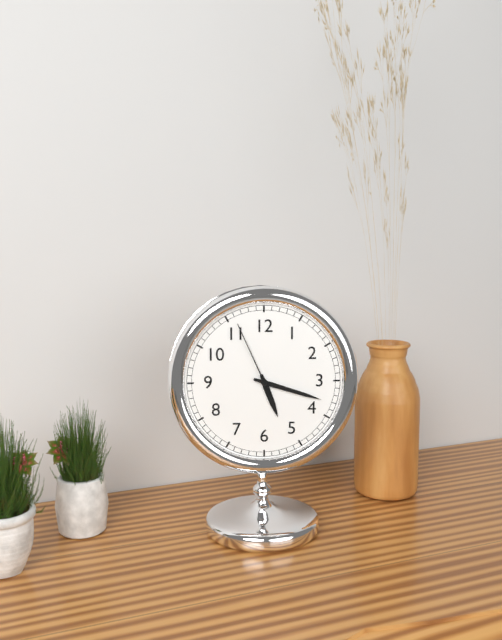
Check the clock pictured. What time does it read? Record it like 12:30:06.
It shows 5:18:56
